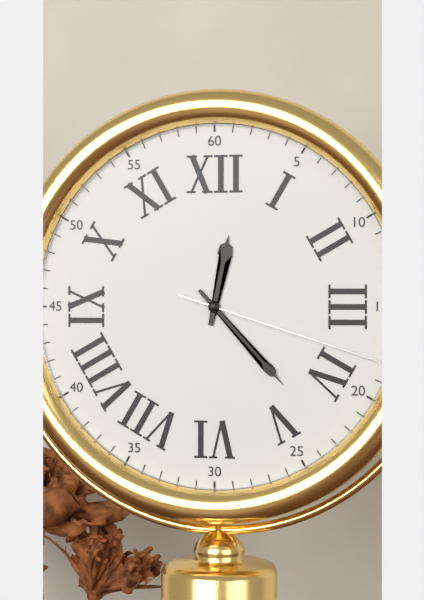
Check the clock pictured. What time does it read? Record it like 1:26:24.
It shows 12:23:18
